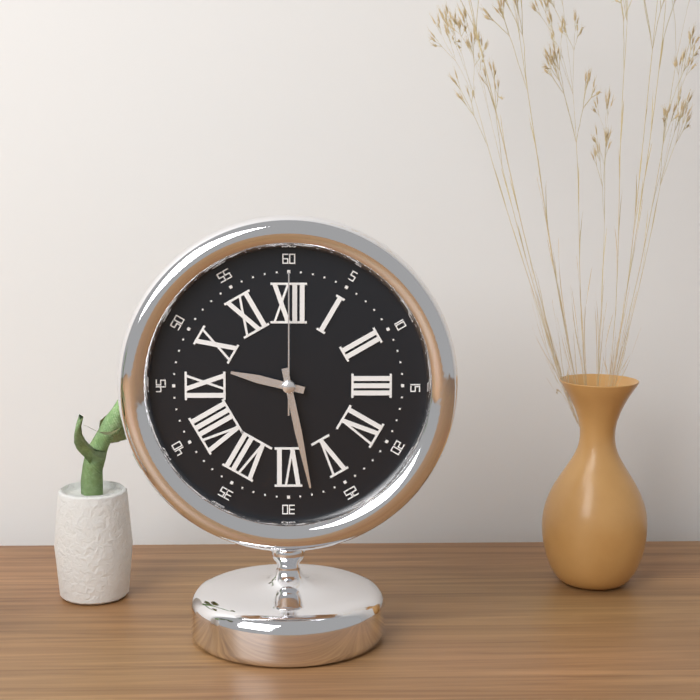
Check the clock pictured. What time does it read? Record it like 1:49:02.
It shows 9:28:00
